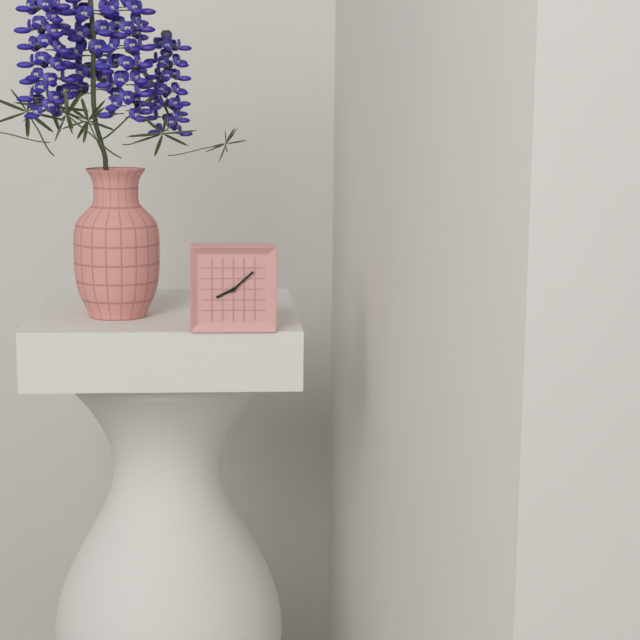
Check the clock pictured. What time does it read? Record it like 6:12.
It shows 8:08
